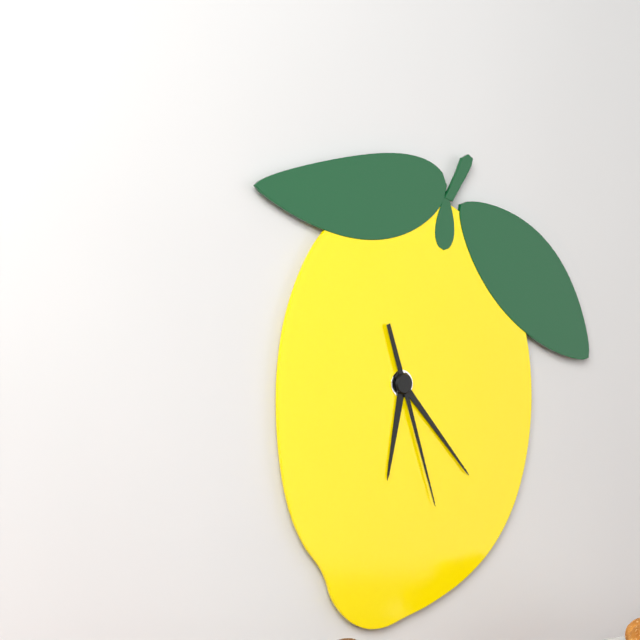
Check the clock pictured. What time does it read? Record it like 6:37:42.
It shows 6:23:27
